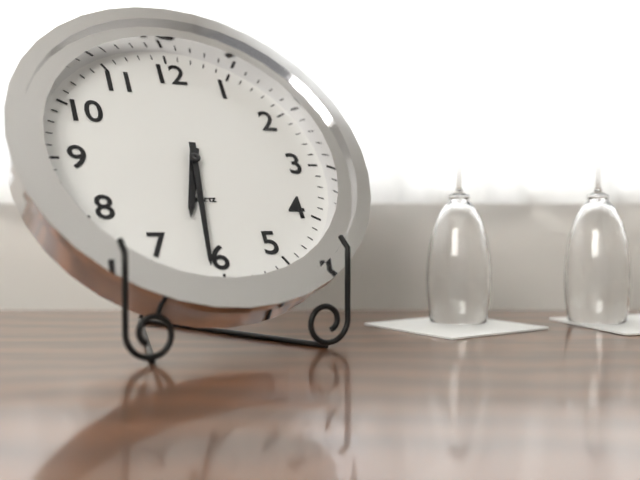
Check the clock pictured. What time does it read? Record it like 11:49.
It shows 6:31
